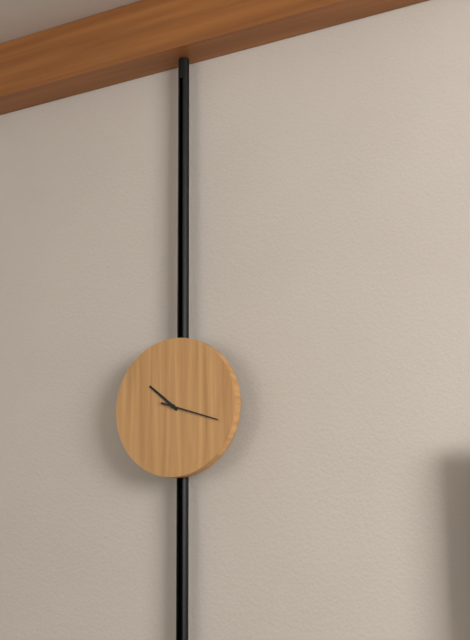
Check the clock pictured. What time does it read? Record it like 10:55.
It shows 10:18
